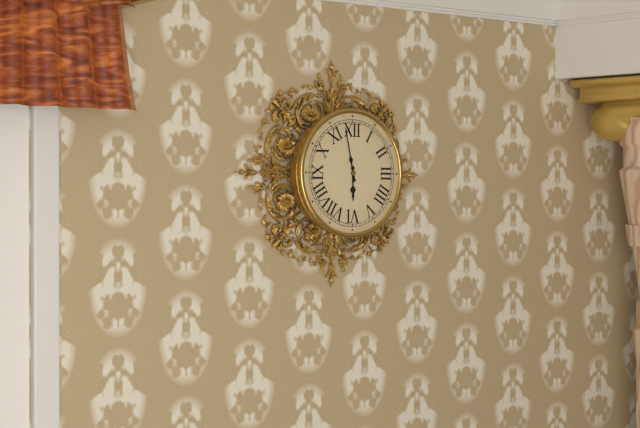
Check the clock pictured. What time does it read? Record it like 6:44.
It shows 5:58
